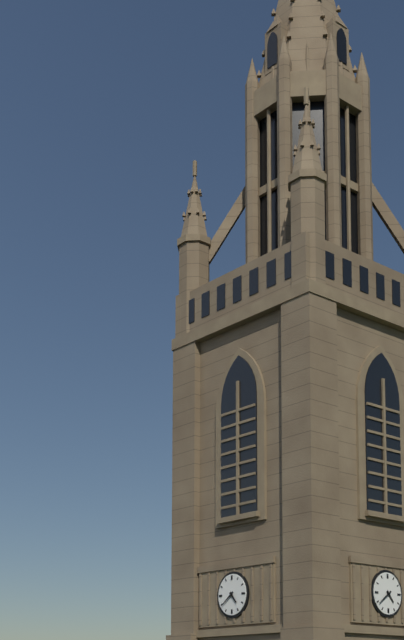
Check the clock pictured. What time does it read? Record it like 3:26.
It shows 4:39
